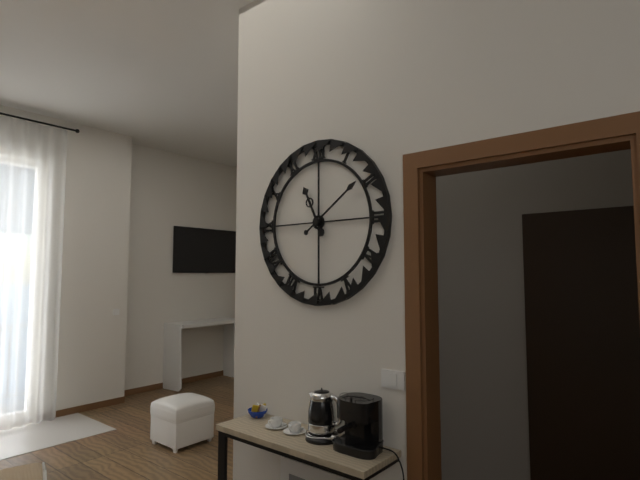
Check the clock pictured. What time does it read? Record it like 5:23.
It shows 11:09
